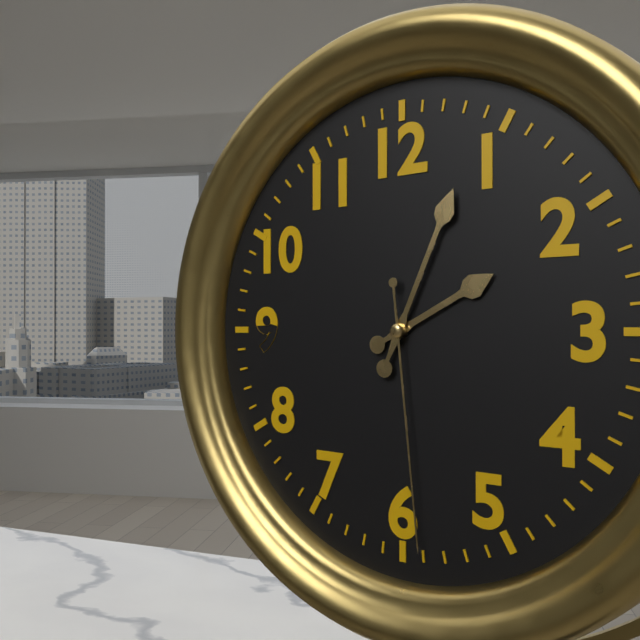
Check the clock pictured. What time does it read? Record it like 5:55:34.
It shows 2:04:29
